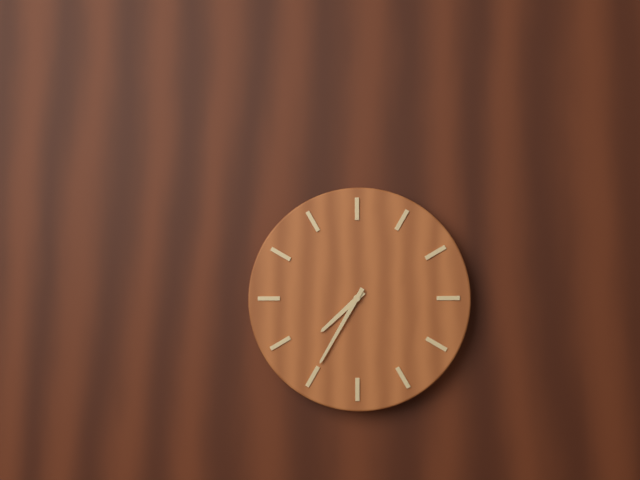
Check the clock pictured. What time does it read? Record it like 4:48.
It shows 7:35
